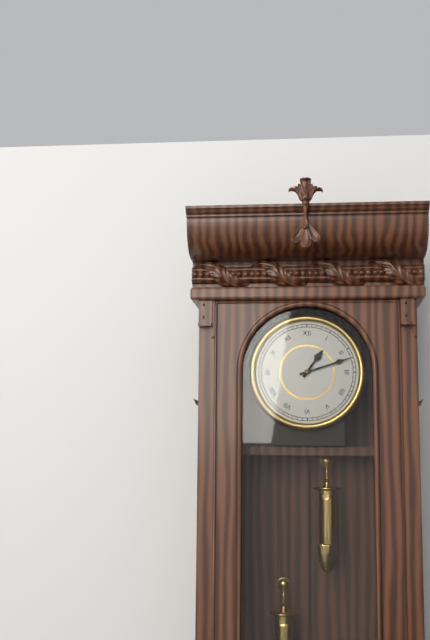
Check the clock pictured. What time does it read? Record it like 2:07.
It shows 1:12
